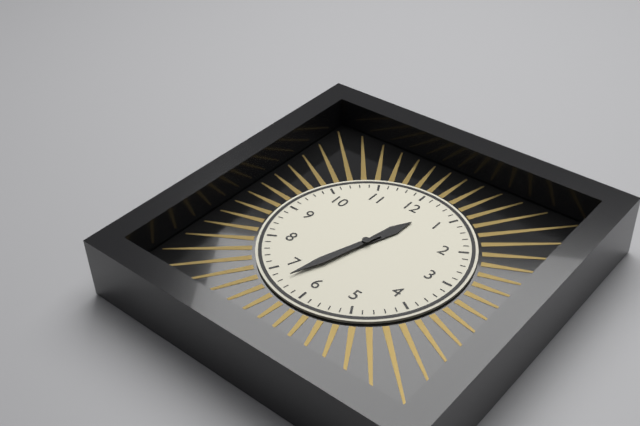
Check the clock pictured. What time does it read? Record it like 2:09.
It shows 12:33
